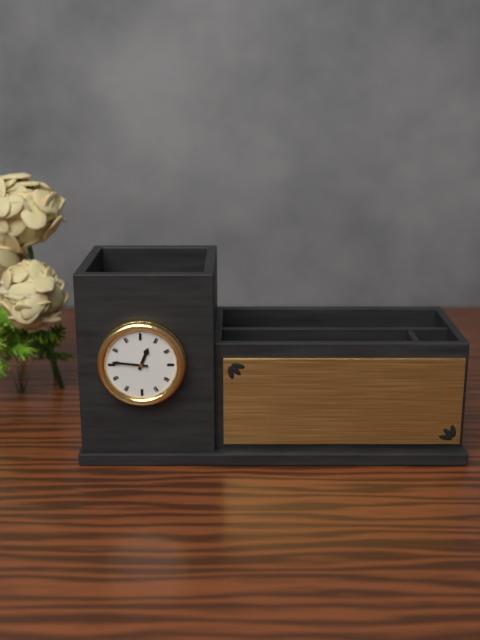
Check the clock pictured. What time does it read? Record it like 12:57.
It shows 12:46
